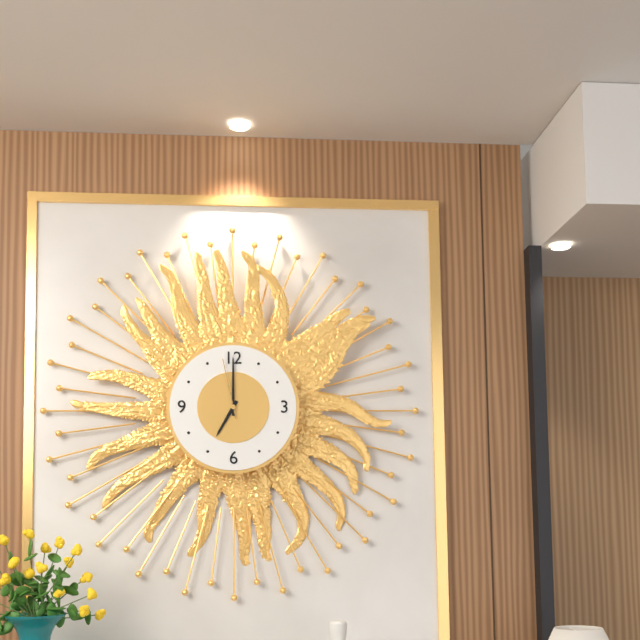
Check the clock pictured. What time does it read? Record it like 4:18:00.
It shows 7:00:58
